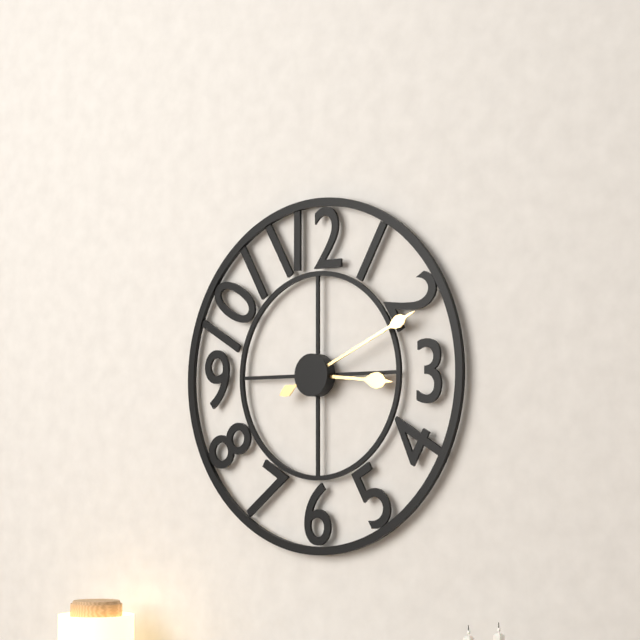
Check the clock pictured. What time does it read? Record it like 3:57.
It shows 3:11
